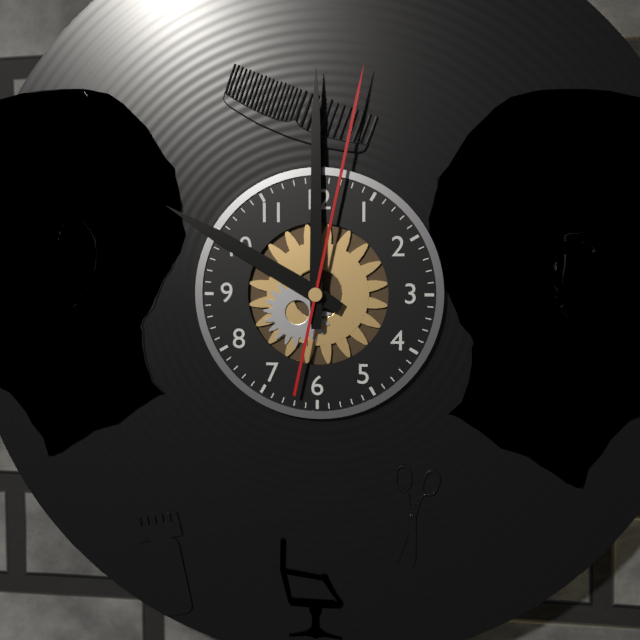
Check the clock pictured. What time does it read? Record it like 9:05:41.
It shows 10:00:02
